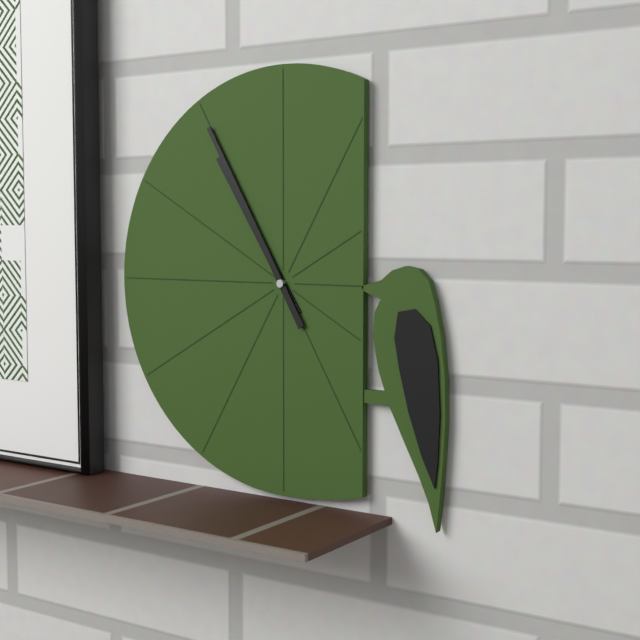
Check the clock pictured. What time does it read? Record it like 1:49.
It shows 10:55
